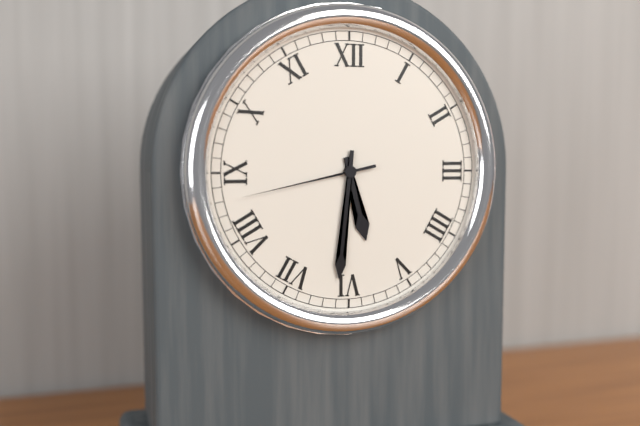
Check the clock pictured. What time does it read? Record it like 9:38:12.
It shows 5:31:43
